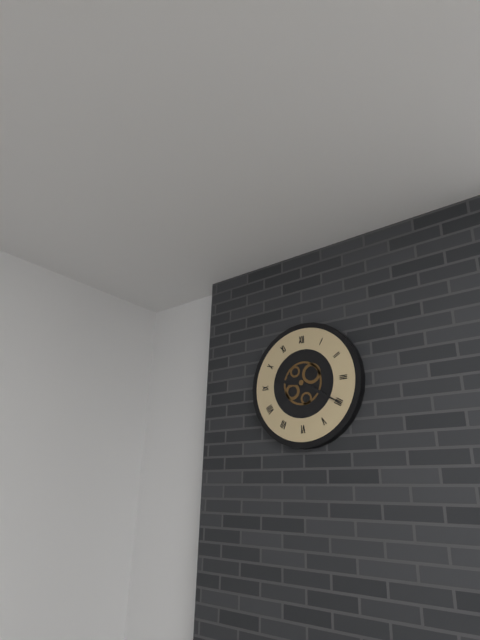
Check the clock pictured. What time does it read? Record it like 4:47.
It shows 9:20
